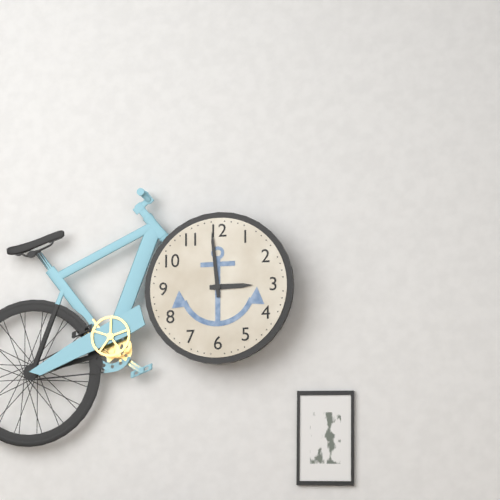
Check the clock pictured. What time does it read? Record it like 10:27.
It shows 2:59
